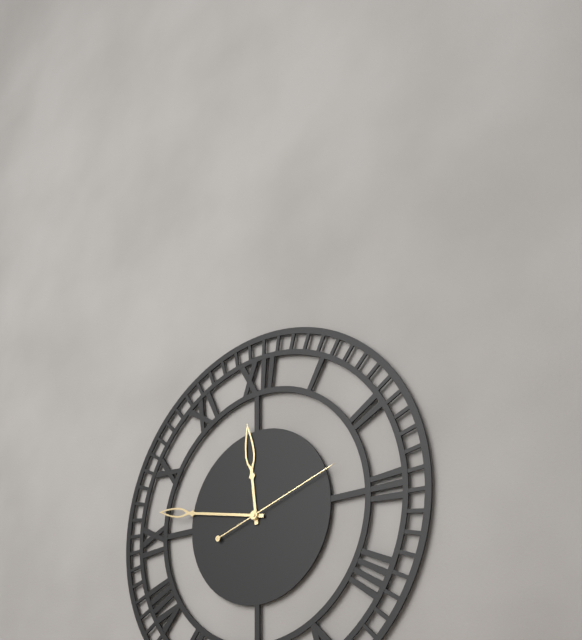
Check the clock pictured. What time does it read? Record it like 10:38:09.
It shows 11:47:12
